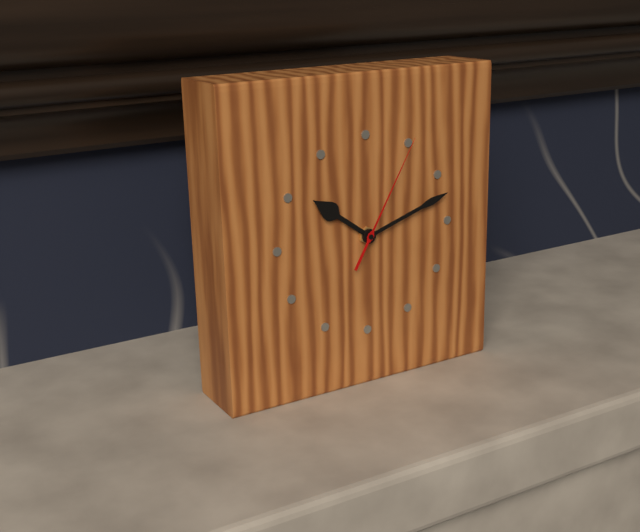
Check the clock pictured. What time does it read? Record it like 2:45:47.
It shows 10:12:05
